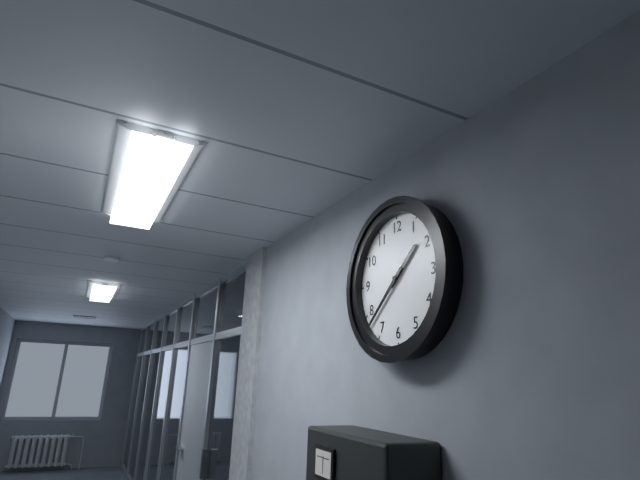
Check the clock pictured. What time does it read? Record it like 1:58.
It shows 1:38
